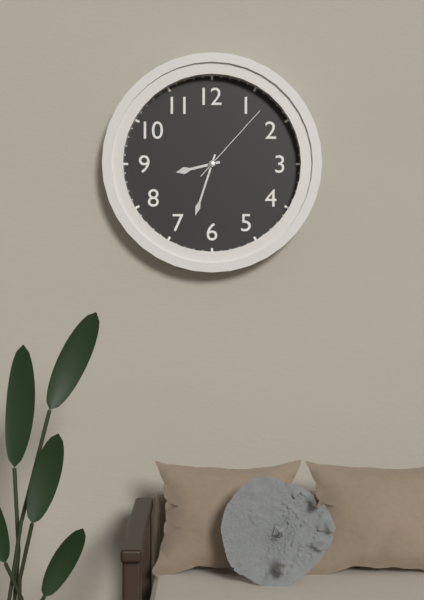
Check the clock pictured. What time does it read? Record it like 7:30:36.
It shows 8:33:07
